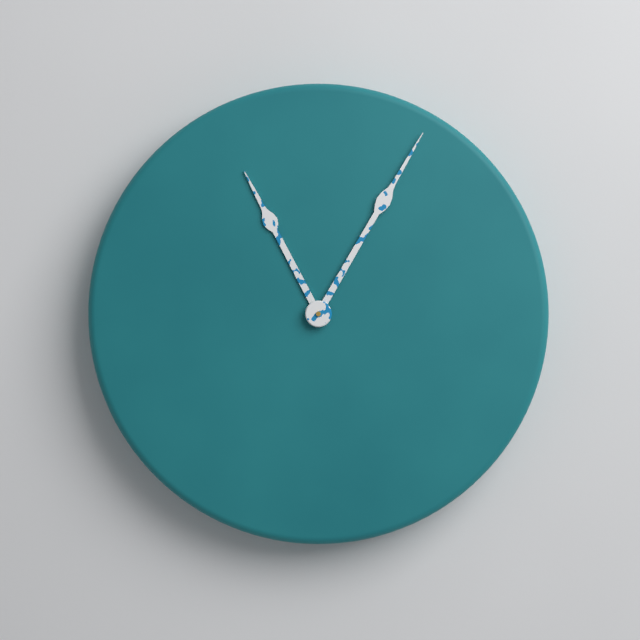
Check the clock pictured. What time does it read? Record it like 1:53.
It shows 11:05
